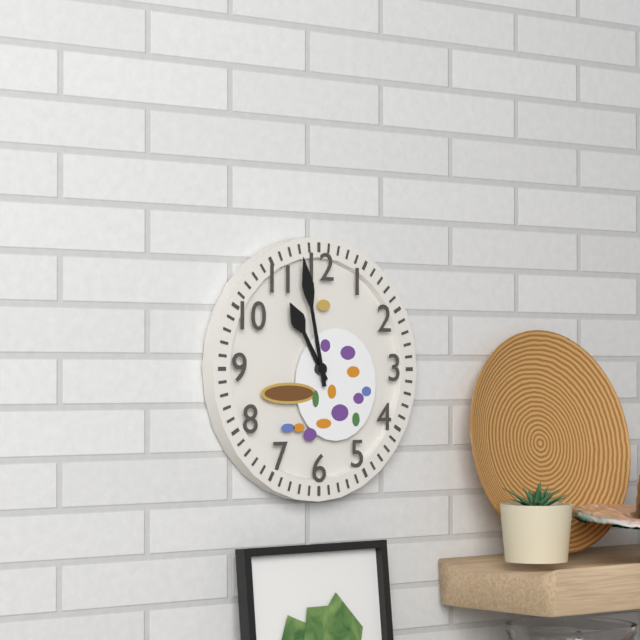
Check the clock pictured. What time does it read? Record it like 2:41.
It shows 10:58
